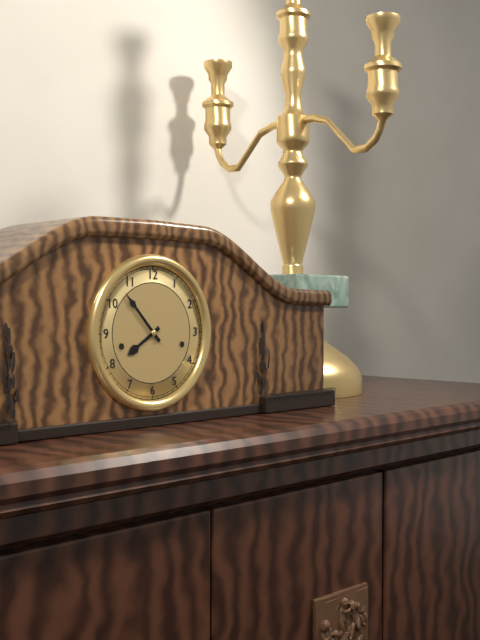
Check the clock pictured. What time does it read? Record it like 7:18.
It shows 7:53
